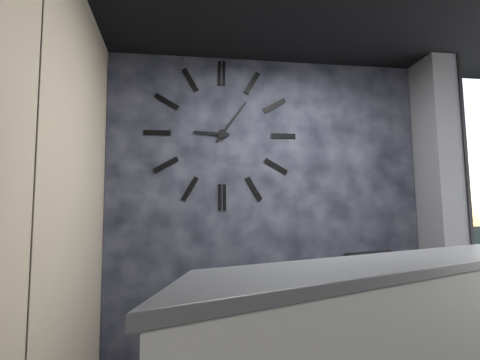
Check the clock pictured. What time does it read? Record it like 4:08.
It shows 9:06
